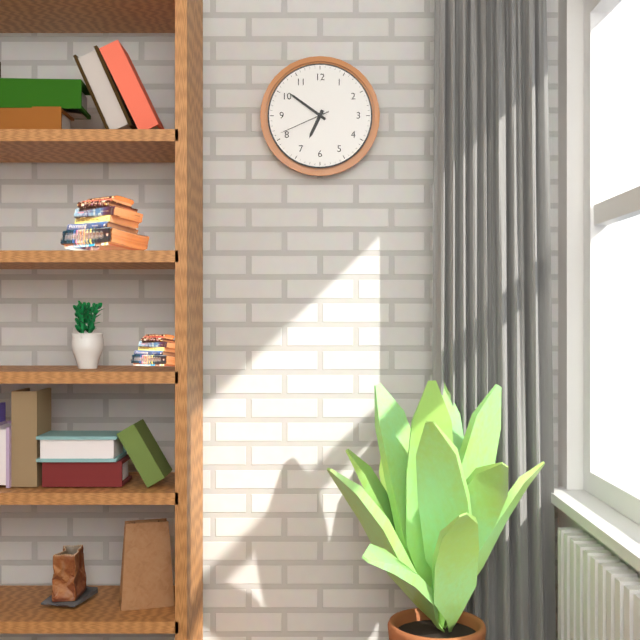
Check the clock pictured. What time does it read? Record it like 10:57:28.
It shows 6:51:41
